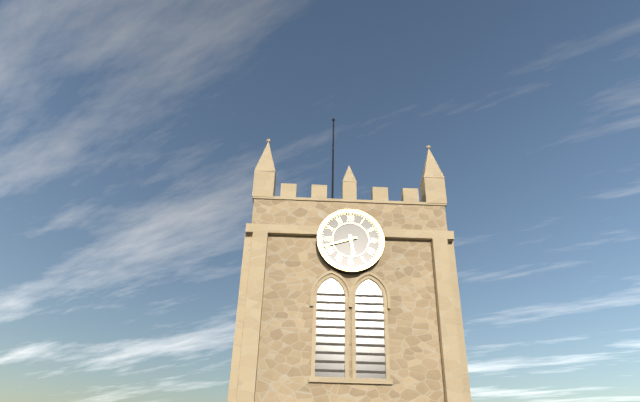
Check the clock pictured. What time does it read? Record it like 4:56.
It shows 5:42
